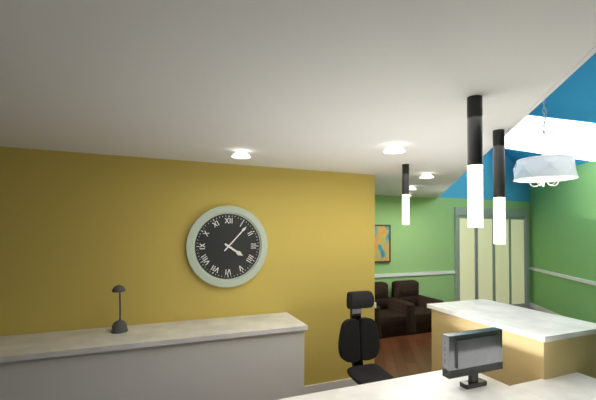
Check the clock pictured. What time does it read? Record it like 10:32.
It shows 4:07
